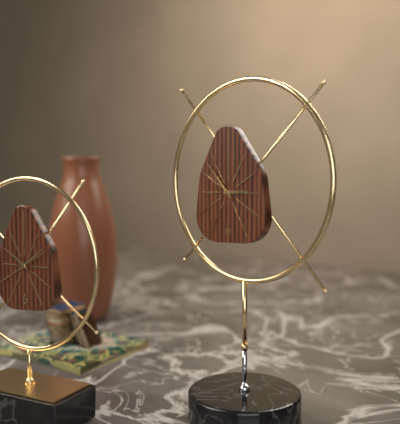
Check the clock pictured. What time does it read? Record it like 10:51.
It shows 2:53
